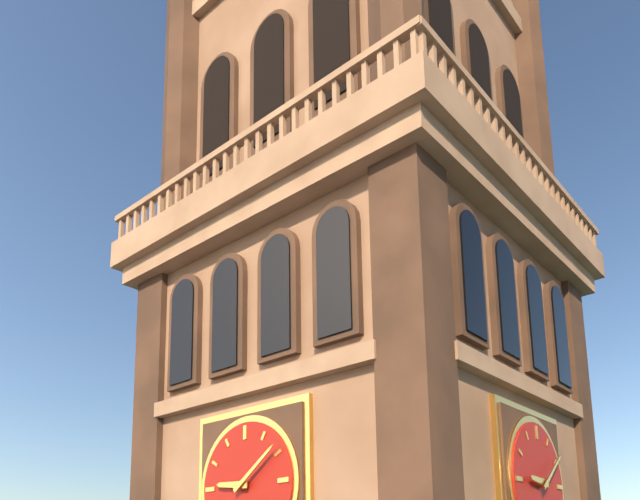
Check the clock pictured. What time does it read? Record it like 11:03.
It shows 9:09
